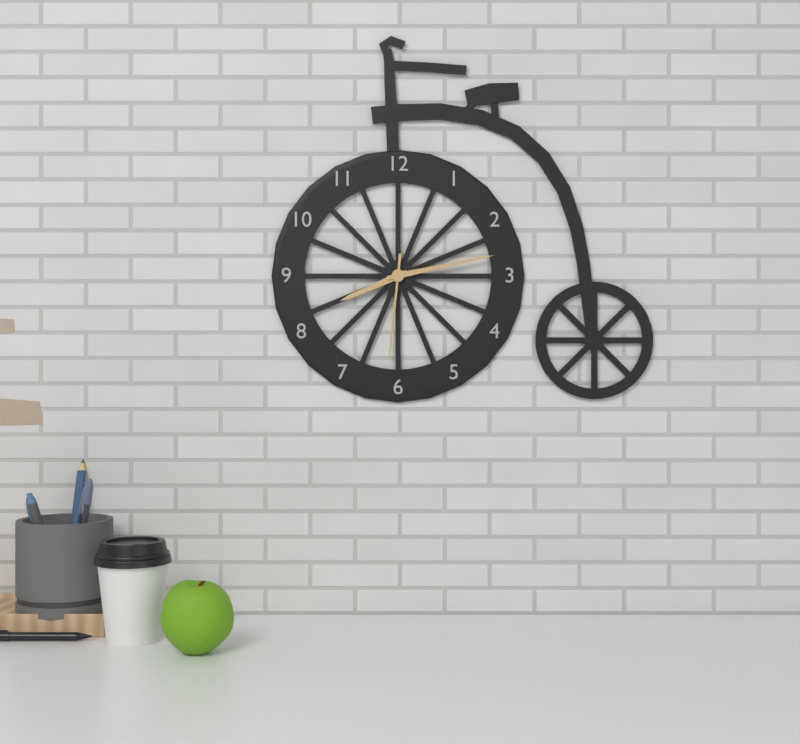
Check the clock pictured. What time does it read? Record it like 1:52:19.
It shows 8:13:31
